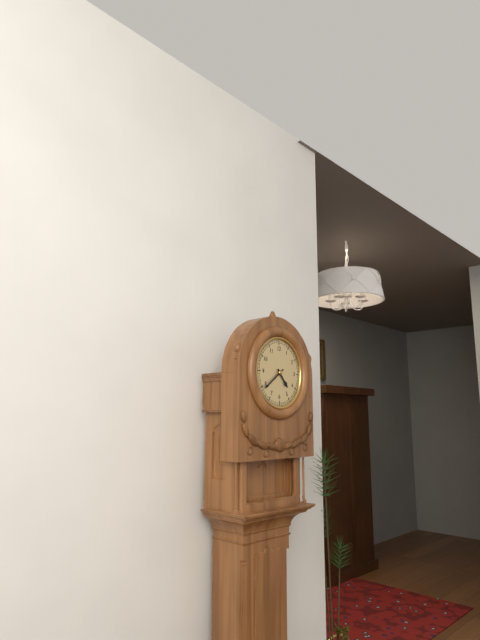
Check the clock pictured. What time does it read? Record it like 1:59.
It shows 4:39
